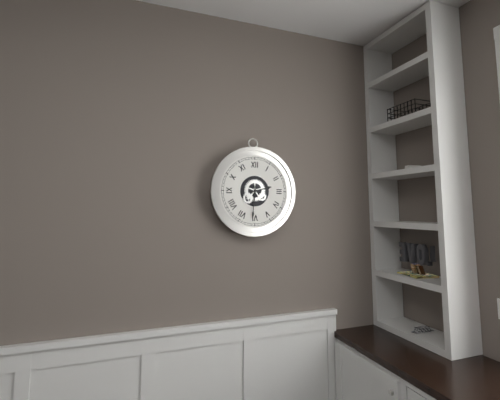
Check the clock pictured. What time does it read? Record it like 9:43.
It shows 2:31
